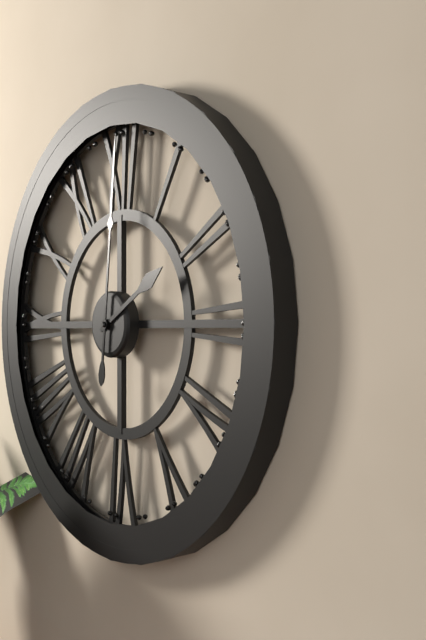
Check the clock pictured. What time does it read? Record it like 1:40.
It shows 2:01
